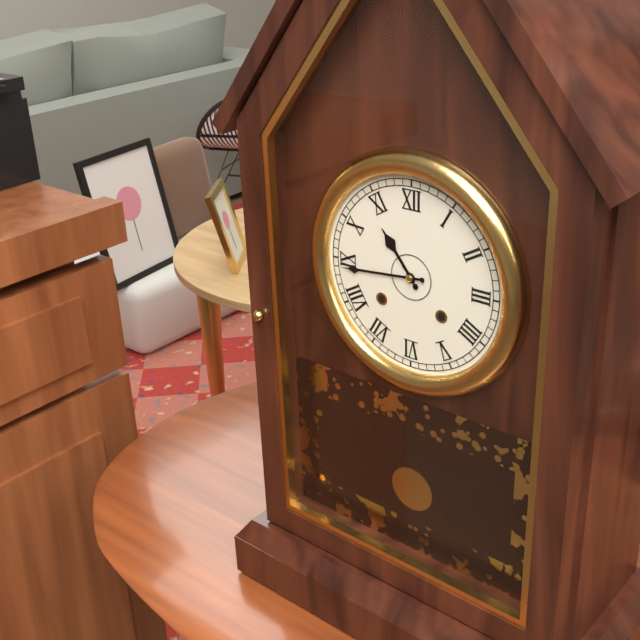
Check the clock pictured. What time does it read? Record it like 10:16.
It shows 10:44
